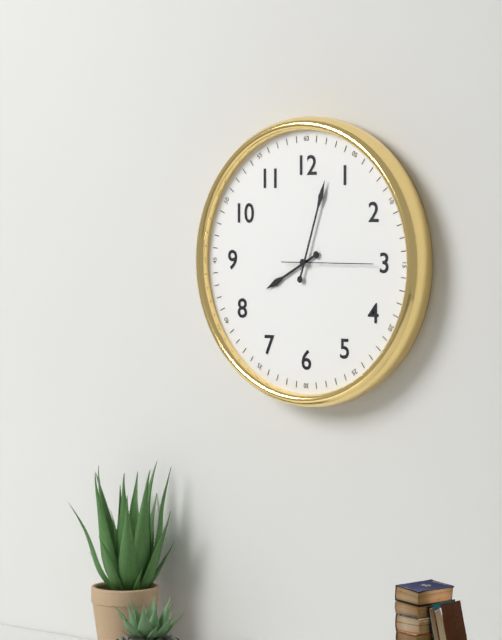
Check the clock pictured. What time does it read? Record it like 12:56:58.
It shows 8:03:15
